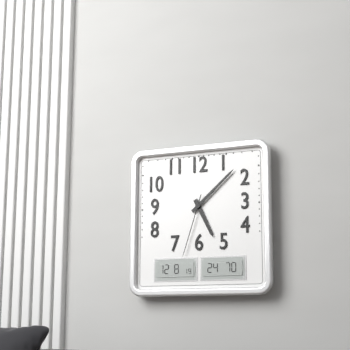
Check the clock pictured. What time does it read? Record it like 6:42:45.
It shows 5:08:33
